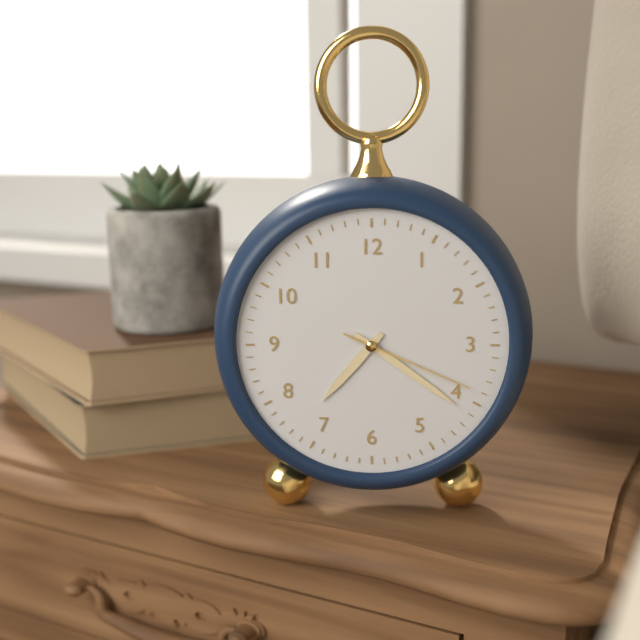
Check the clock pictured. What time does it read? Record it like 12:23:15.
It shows 7:21:19
